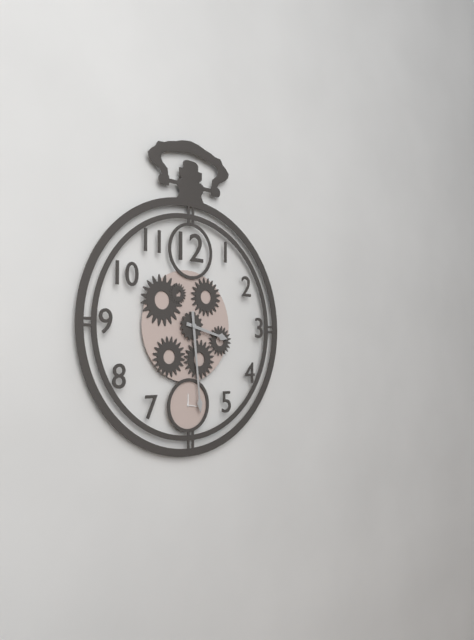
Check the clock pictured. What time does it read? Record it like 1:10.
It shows 3:29
